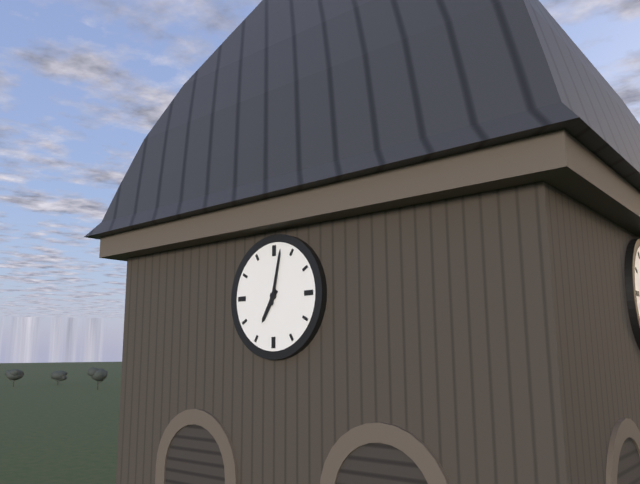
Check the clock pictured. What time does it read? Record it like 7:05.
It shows 7:02
